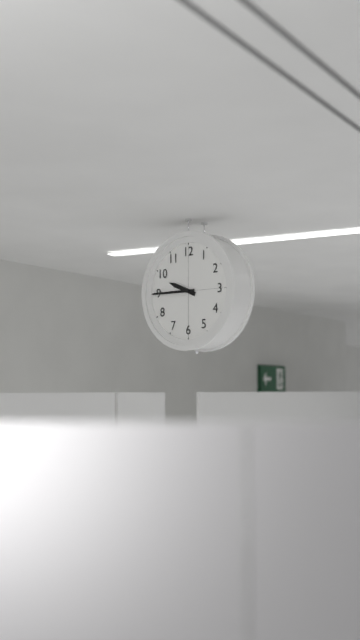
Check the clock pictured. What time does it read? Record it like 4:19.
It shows 9:45
